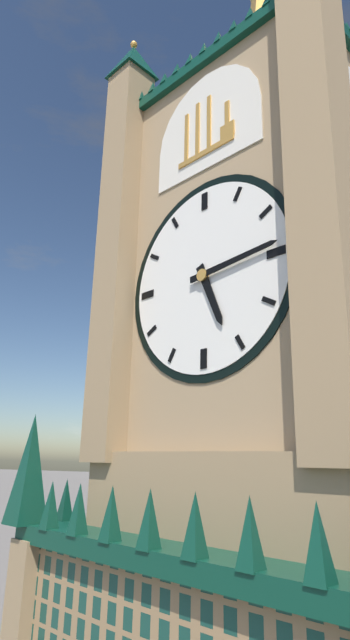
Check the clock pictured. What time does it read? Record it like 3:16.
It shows 5:14
